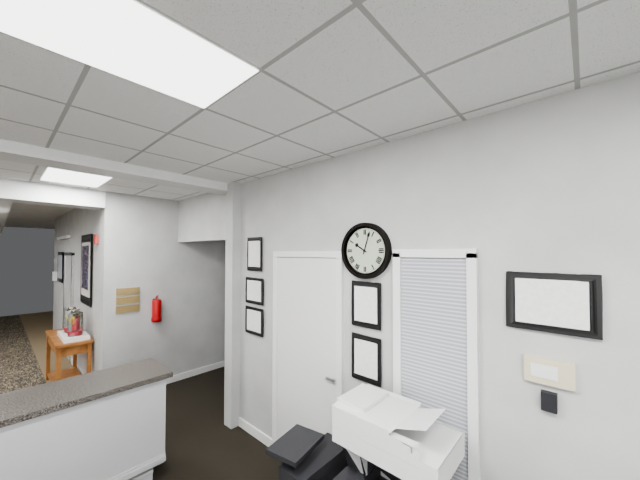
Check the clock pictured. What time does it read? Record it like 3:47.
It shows 10:03
